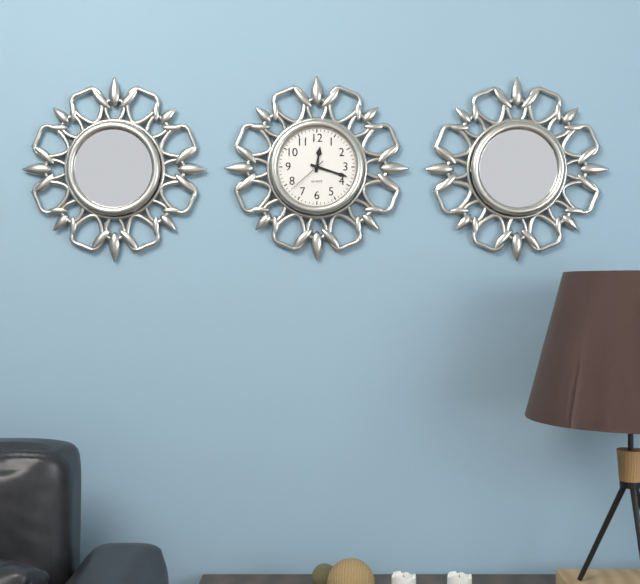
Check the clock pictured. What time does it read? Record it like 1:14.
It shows 12:18
